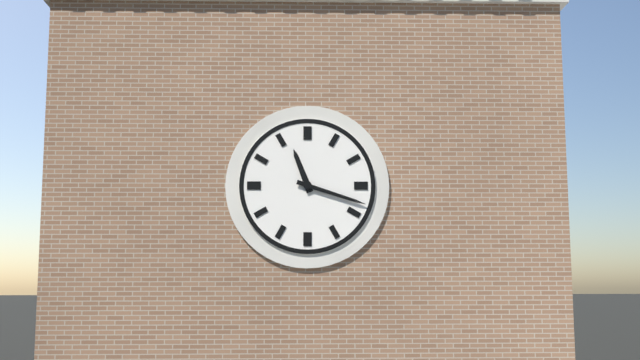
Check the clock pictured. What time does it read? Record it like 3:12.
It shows 11:18
